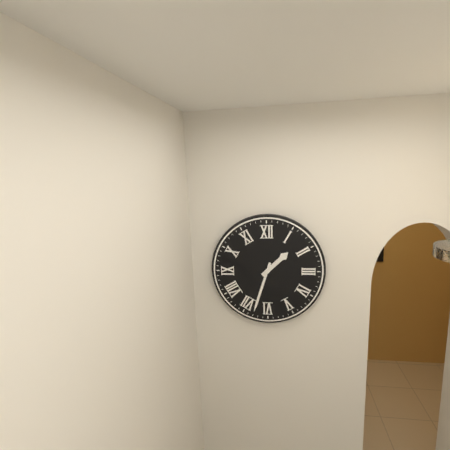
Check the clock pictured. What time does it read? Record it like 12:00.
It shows 1:33
